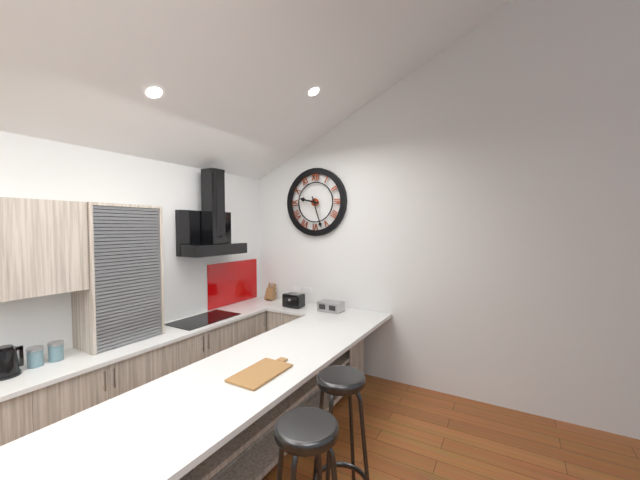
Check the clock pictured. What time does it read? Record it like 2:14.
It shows 9:27
